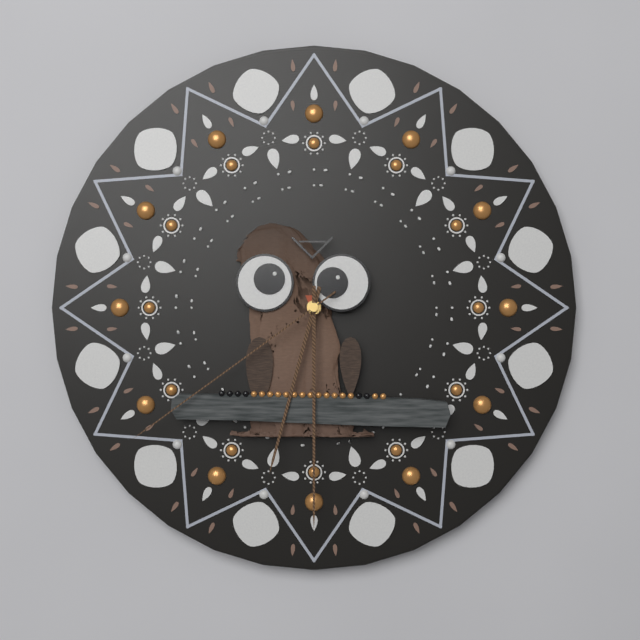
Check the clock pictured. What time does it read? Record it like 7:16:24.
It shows 6:30:39
